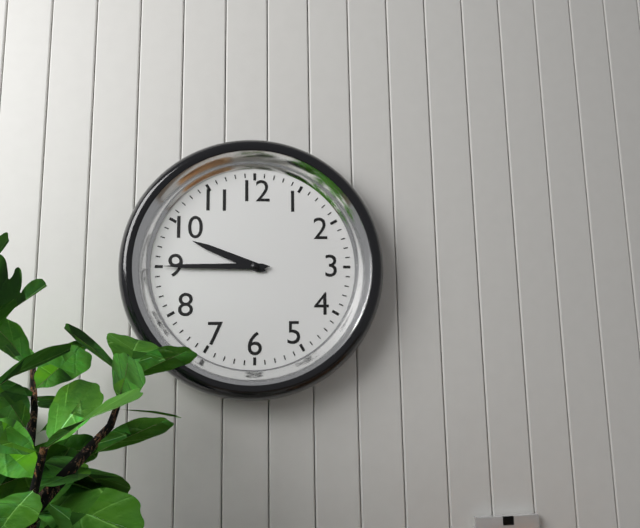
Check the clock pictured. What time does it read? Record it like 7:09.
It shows 9:45
